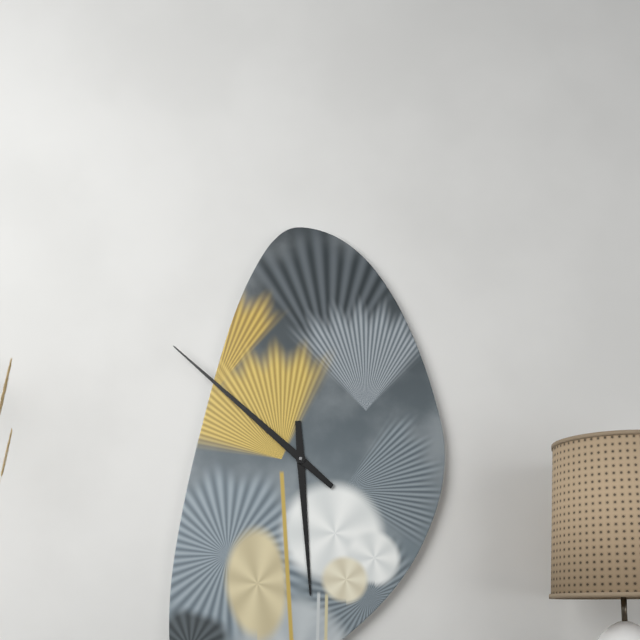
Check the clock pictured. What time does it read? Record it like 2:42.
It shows 5:52
